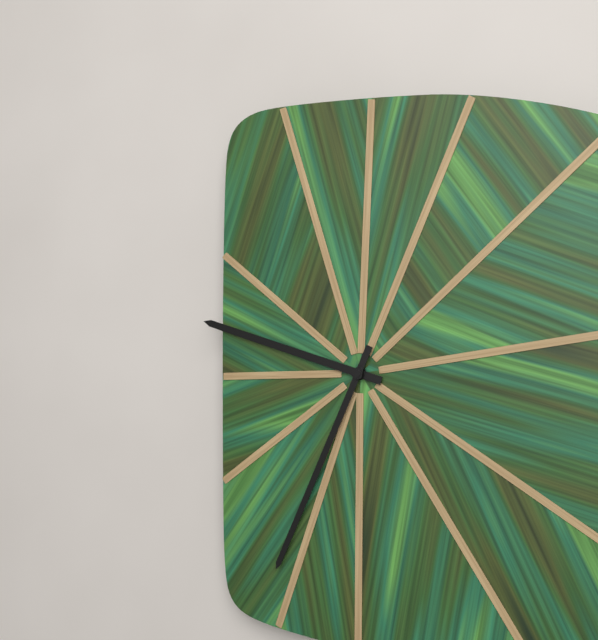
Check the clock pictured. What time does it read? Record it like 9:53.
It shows 9:34
